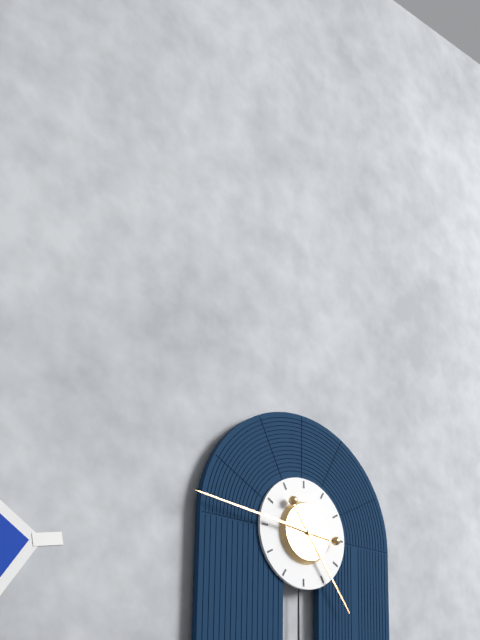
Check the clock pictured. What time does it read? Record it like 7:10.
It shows 4:46
